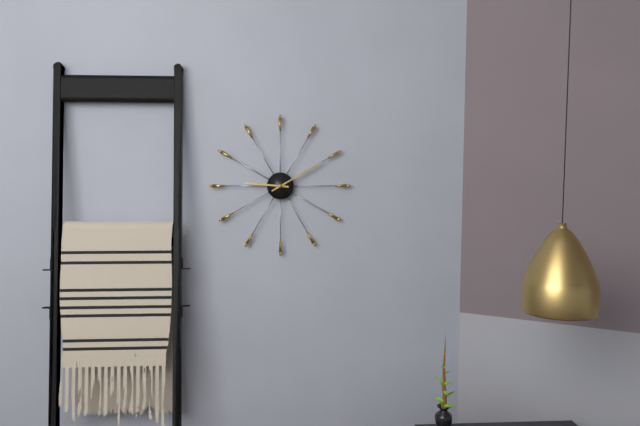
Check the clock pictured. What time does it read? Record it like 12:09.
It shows 9:10
